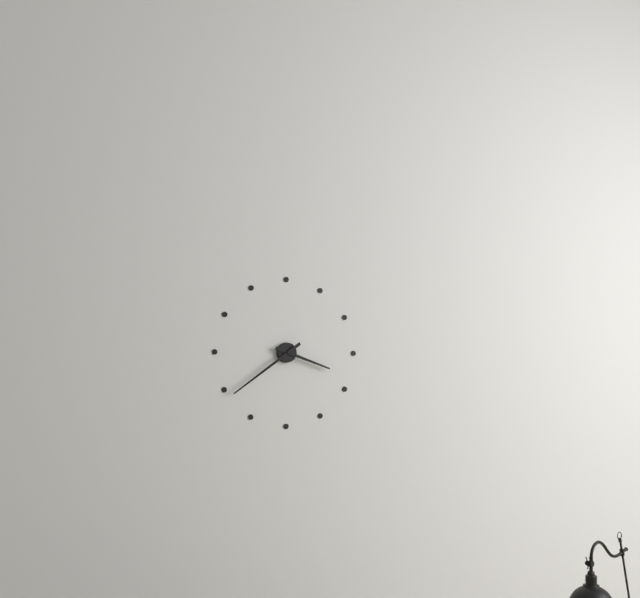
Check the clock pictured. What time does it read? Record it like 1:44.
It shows 3:39
